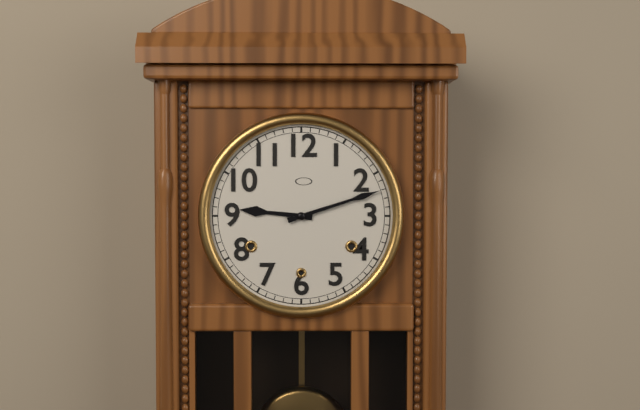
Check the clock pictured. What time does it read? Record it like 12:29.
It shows 9:12
